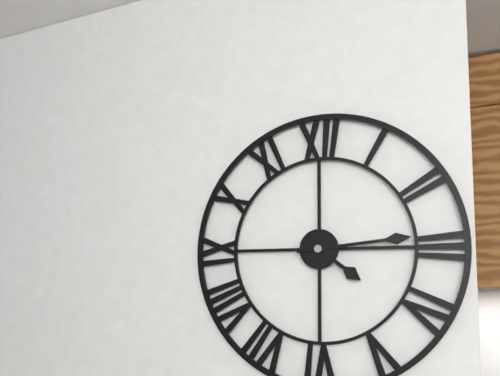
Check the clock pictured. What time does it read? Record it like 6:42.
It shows 4:14
